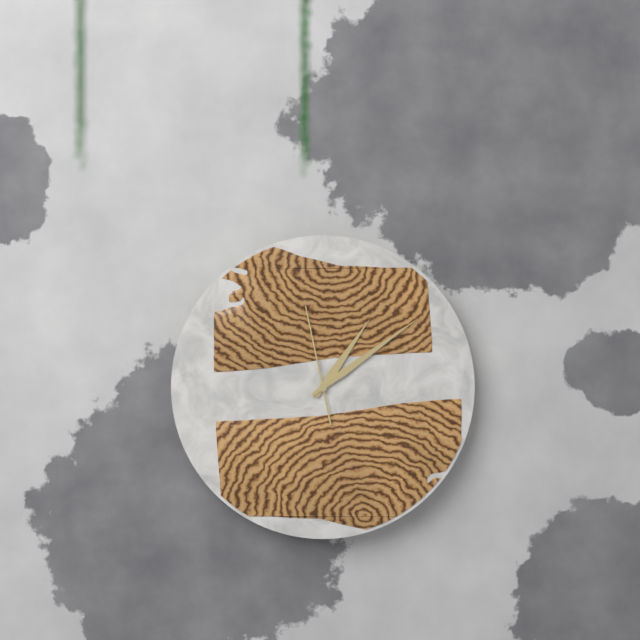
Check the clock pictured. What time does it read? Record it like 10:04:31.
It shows 1:09:58
